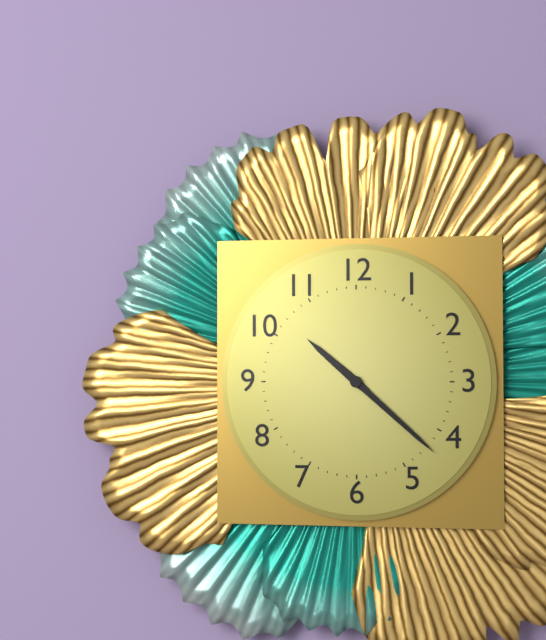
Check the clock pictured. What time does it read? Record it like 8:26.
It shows 10:22
